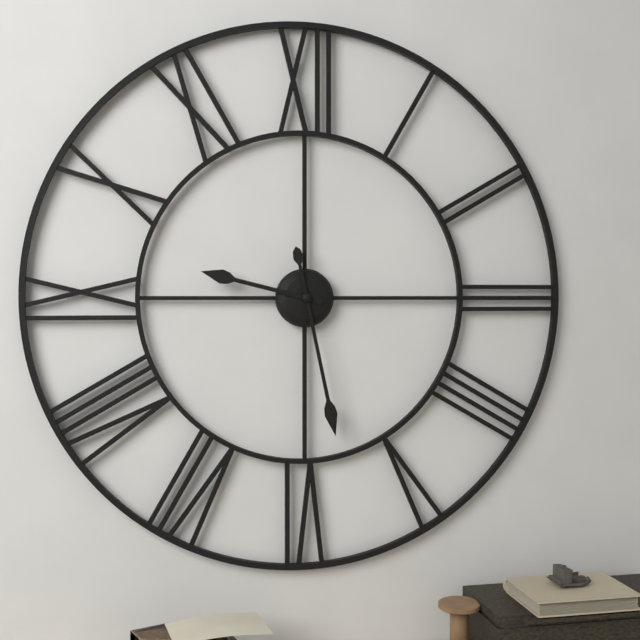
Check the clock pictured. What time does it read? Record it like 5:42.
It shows 9:28
